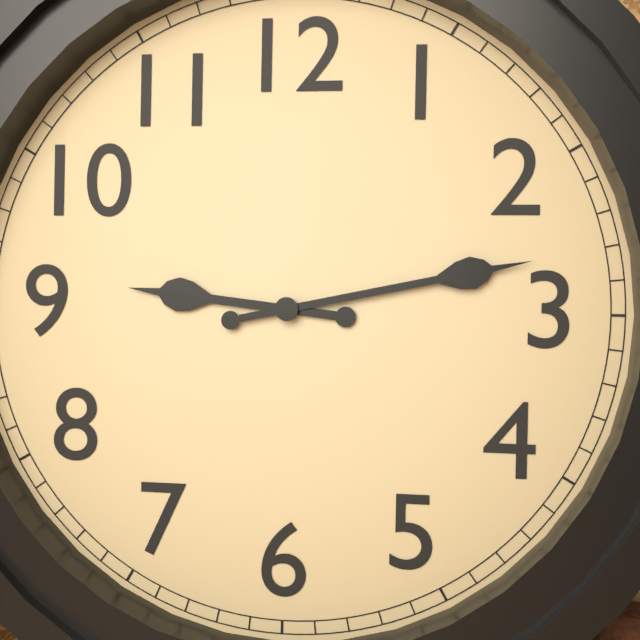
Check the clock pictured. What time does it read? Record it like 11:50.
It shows 9:13
